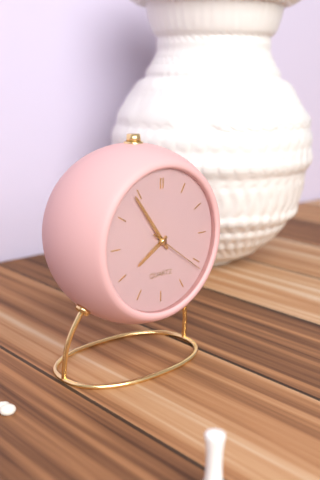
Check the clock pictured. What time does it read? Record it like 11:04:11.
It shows 7:54:21
